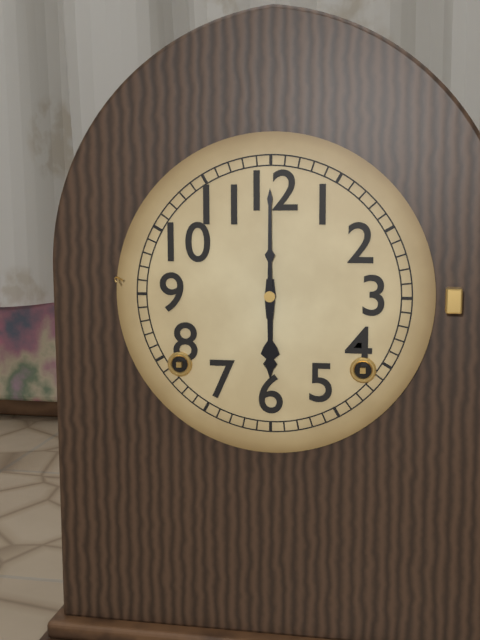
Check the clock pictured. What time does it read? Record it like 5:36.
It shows 6:00
